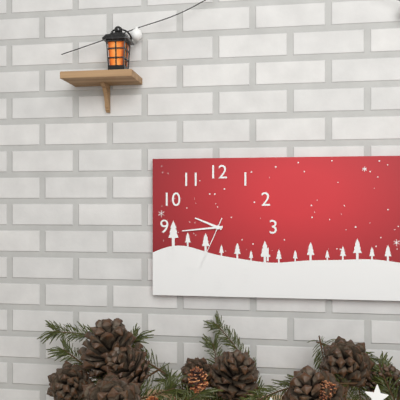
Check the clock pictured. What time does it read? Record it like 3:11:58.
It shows 9:44:34
